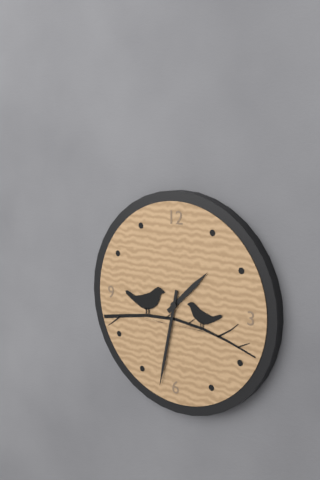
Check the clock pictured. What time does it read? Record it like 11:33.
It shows 1:32
